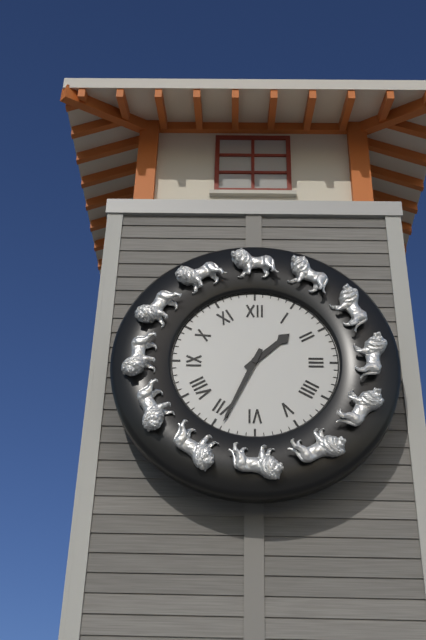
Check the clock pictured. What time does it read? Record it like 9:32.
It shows 1:34
